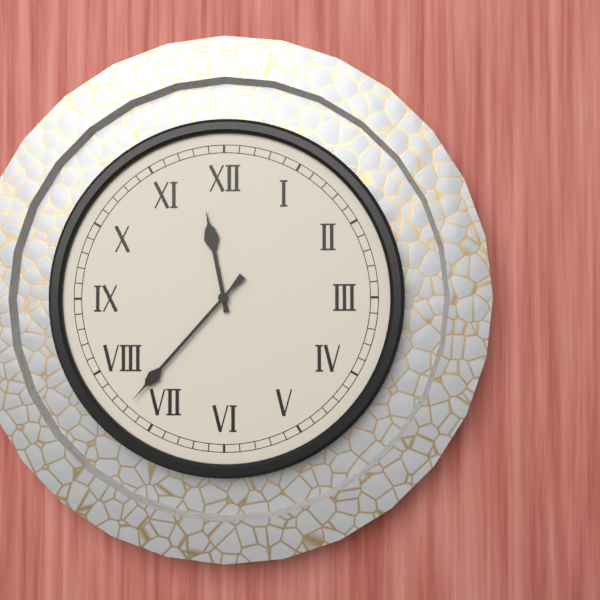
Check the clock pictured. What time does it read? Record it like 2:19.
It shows 11:37
